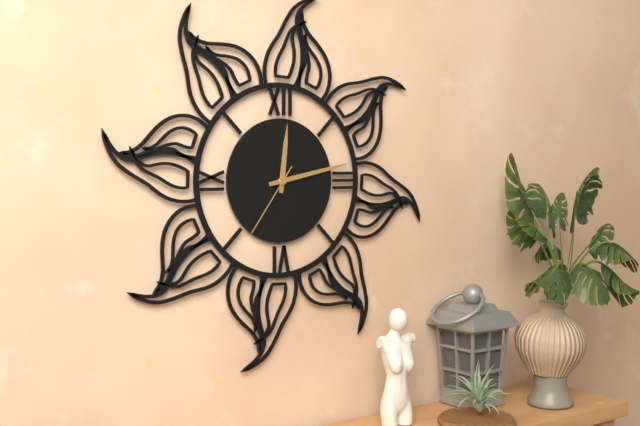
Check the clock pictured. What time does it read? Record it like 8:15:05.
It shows 12:13:36
